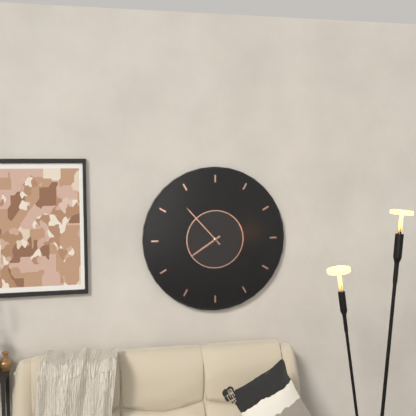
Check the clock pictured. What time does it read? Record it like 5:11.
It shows 7:53
